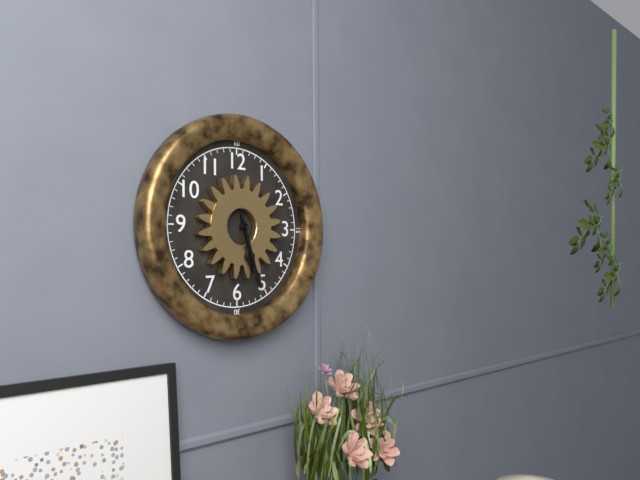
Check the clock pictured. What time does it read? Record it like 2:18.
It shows 5:27
